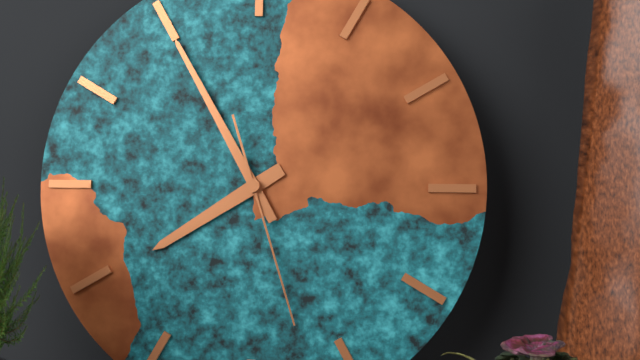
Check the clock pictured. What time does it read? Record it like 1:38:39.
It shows 7:55:27
